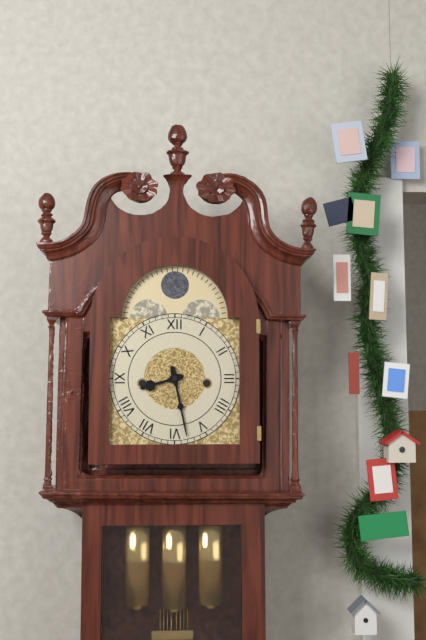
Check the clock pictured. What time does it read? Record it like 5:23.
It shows 8:28
